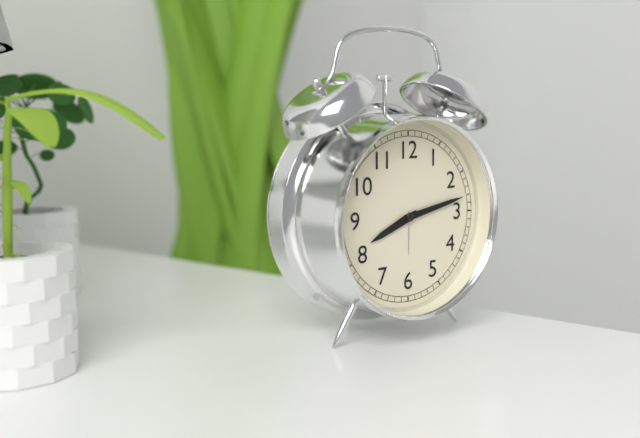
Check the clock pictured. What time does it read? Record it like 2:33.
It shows 8:13
